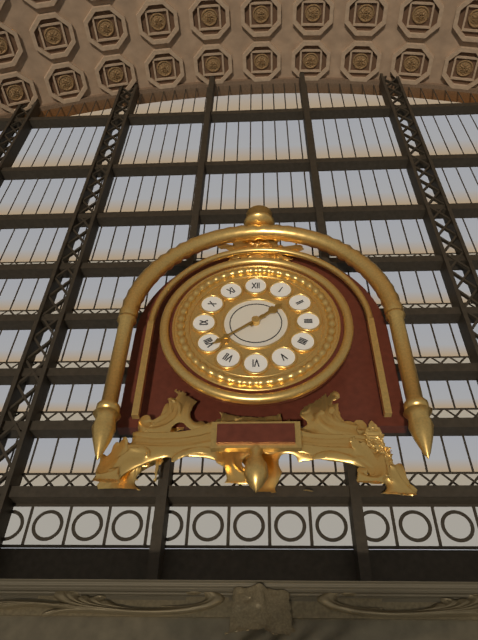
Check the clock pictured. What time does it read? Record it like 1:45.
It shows 1:39
